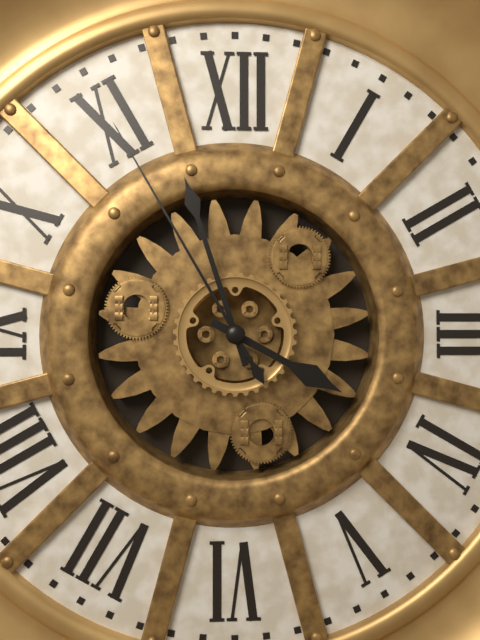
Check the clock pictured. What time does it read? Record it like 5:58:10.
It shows 3:57:55
